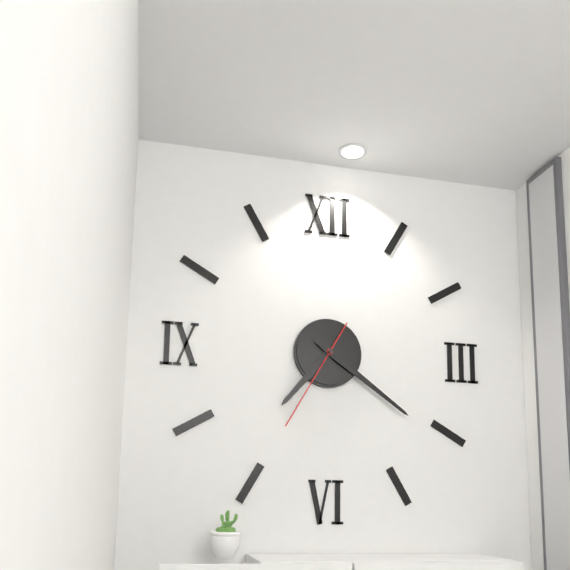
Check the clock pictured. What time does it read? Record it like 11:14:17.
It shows 7:21:35
